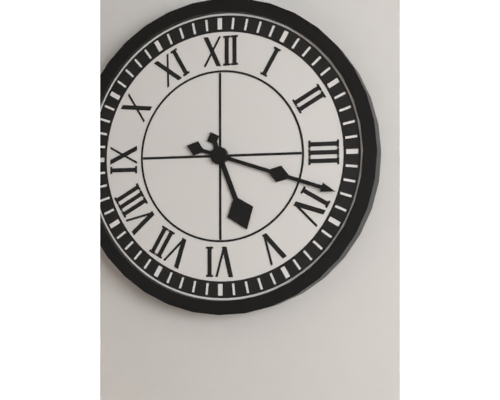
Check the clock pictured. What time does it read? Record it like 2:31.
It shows 5:18
